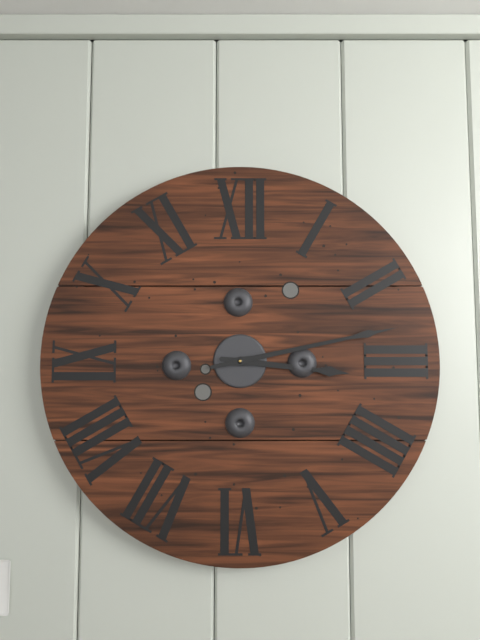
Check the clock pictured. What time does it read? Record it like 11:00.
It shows 3:13
